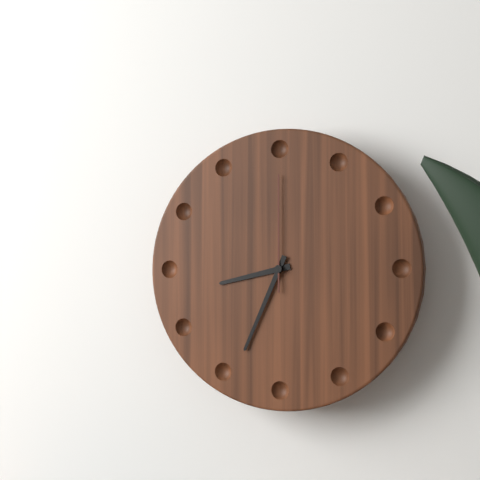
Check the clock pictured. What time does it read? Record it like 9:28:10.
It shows 8:34:00
